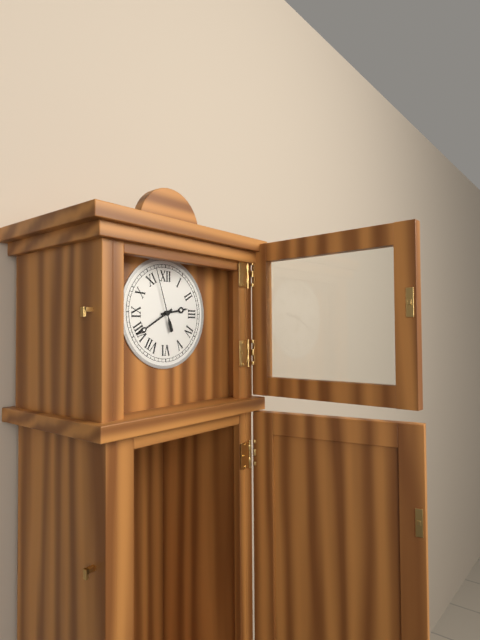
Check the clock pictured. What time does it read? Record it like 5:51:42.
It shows 2:40:57
